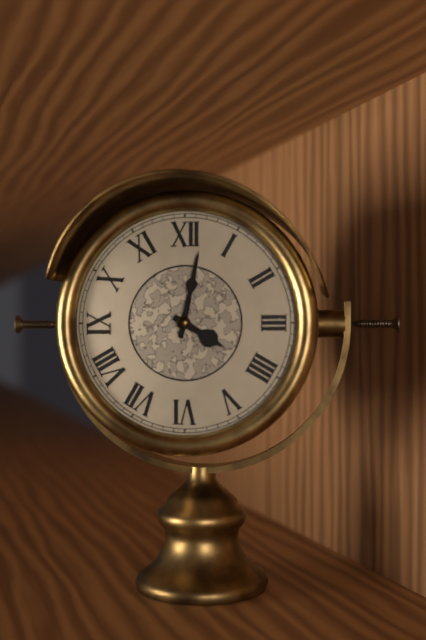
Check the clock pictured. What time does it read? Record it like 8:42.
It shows 4:02
